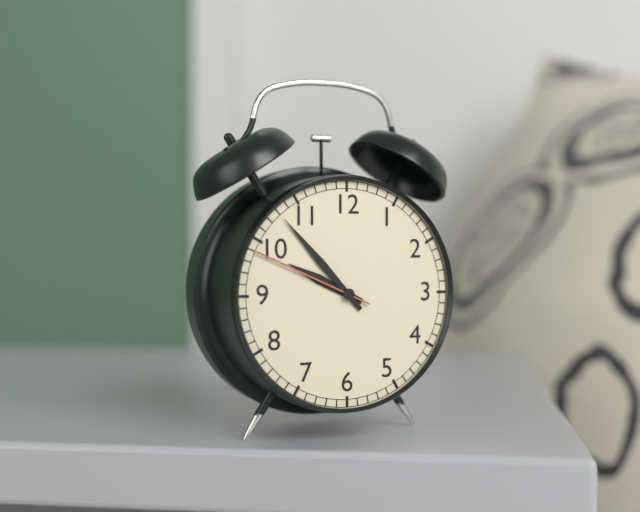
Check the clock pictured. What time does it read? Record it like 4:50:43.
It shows 9:53:49
